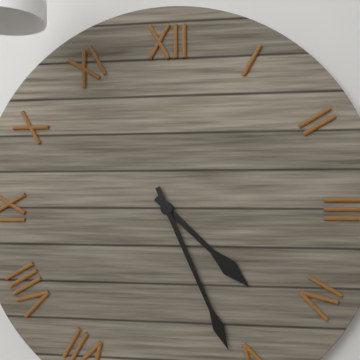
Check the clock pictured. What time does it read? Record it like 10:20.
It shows 4:26
